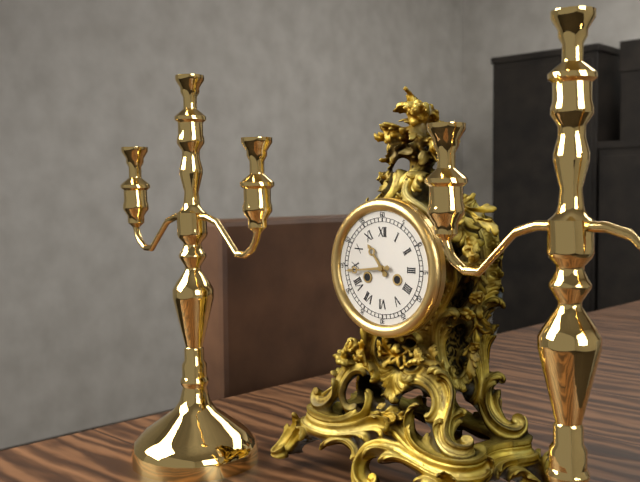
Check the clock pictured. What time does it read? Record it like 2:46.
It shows 10:44
